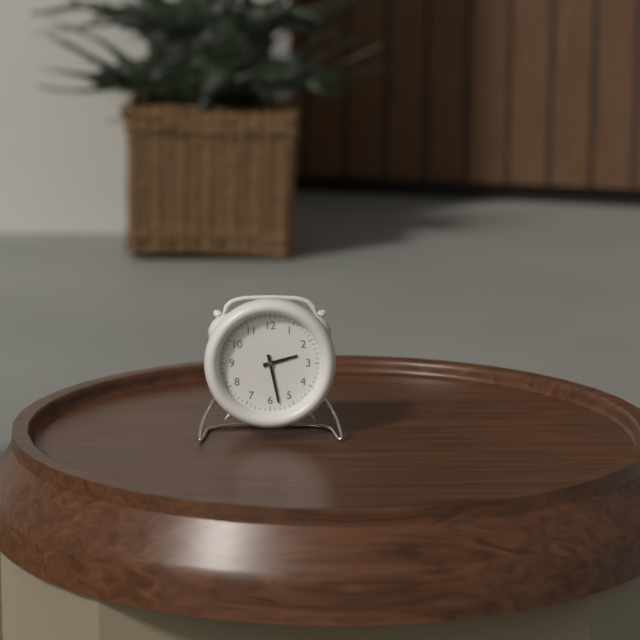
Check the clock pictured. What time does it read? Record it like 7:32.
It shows 2:28
